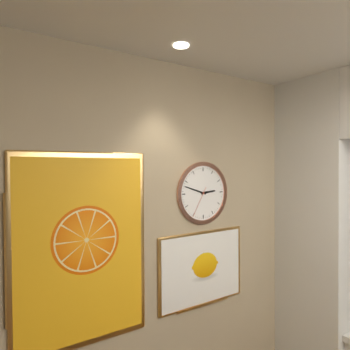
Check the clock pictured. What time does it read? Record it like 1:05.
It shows 2:48
